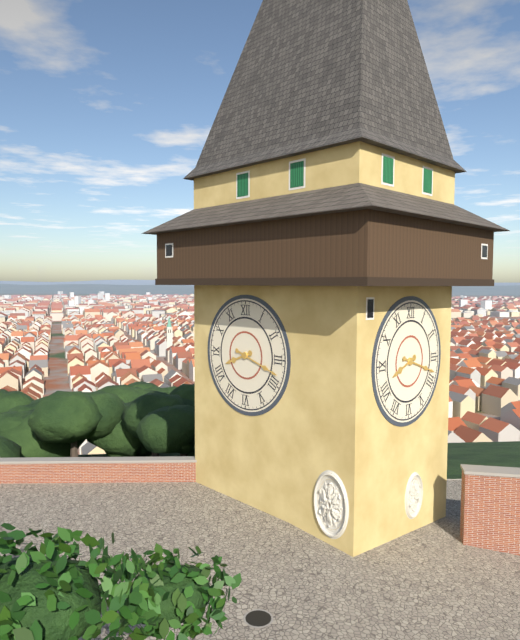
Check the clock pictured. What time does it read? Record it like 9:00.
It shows 8:18
